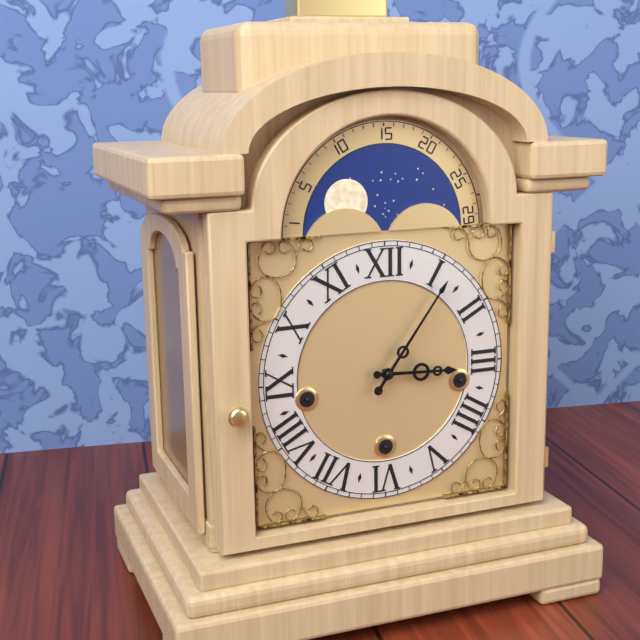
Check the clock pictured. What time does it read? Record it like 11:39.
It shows 3:06
